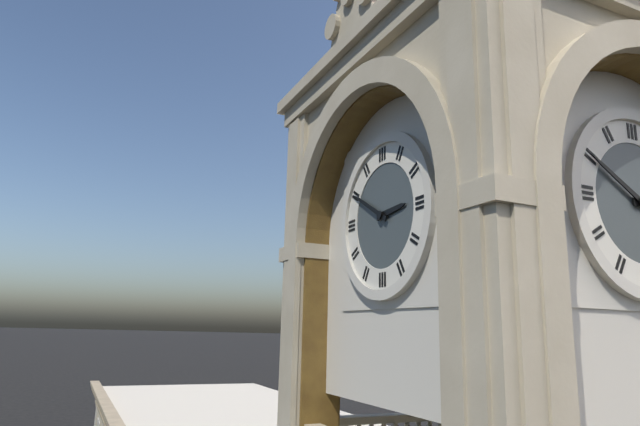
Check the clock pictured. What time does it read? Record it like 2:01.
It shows 2:50
